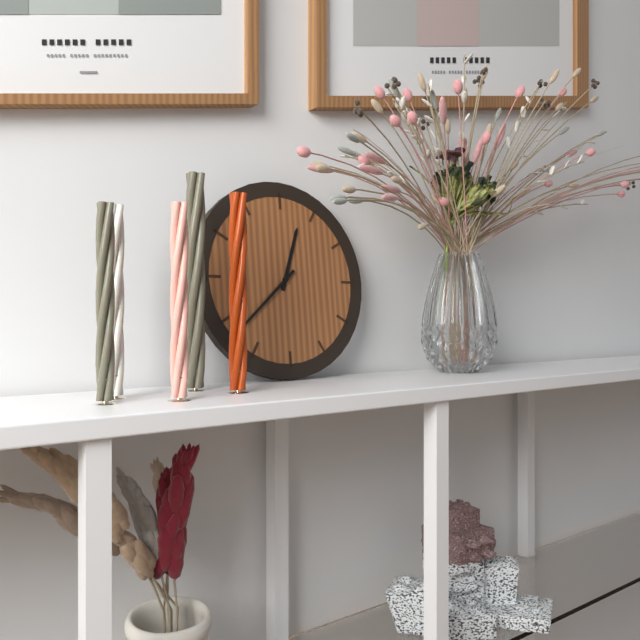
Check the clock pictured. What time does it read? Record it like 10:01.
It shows 12:38
